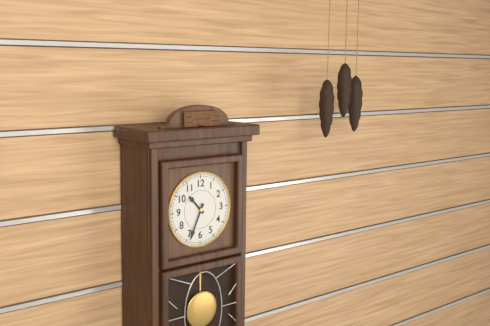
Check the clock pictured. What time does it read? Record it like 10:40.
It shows 10:34
